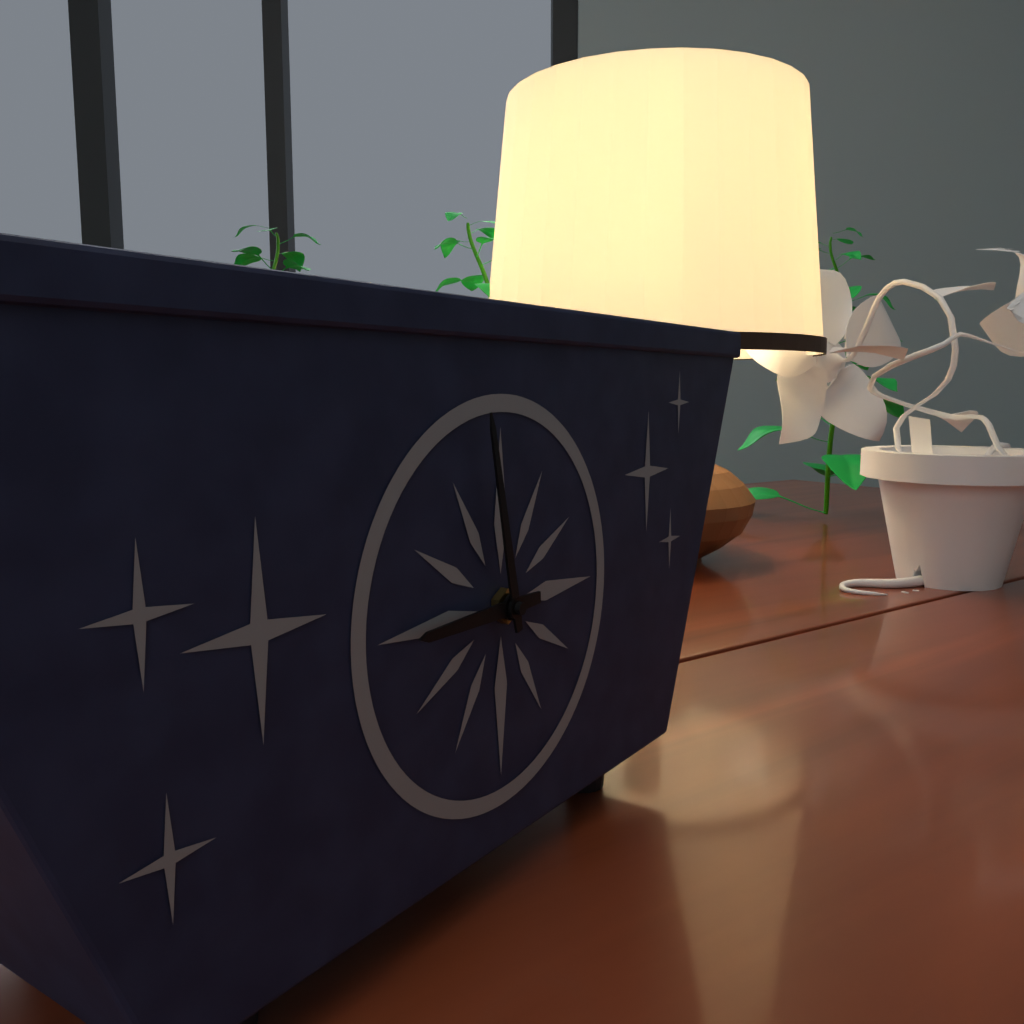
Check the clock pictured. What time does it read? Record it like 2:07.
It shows 8:58
